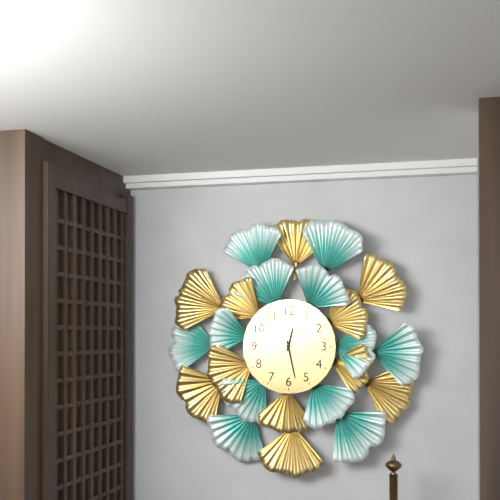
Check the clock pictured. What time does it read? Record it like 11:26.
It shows 12:28
